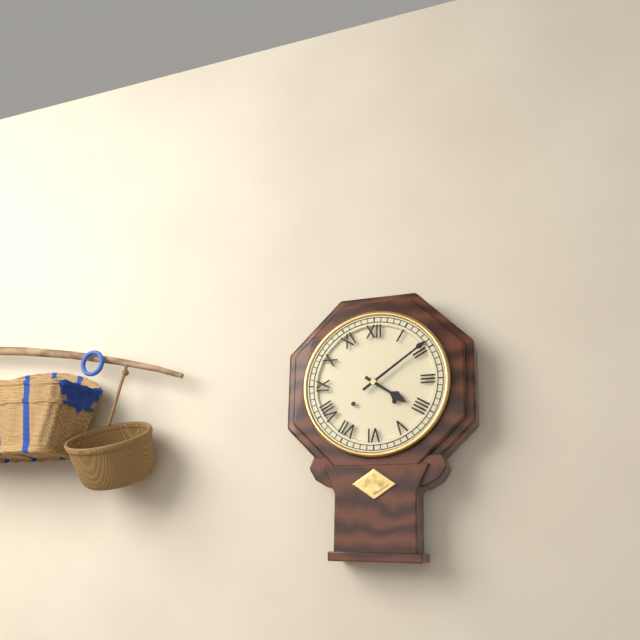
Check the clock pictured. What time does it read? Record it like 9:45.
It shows 4:09
